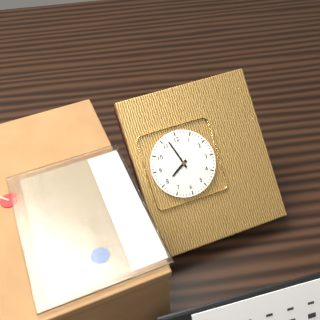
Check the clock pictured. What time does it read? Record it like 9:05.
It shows 7:57
